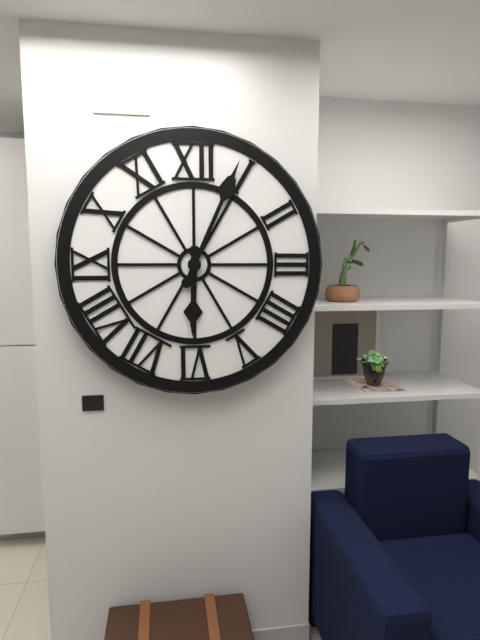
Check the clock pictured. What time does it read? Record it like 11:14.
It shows 6:04
